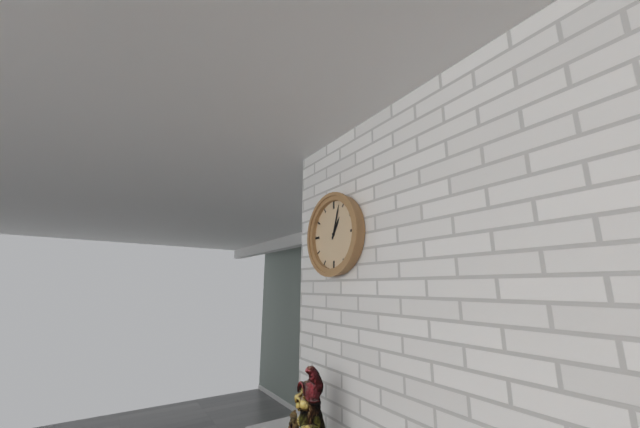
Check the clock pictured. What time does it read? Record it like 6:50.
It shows 1:03
